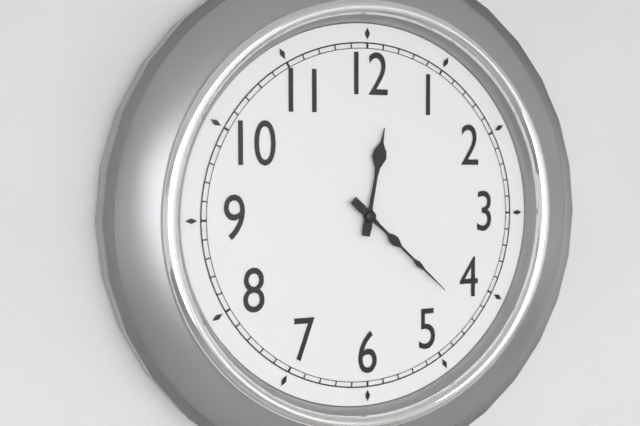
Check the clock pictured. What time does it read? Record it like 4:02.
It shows 12:22
